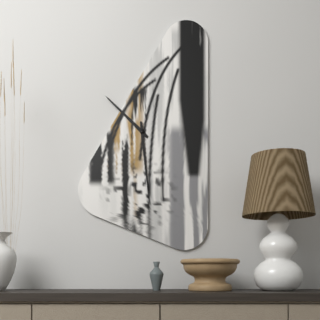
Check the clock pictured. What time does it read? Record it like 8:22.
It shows 10:29
